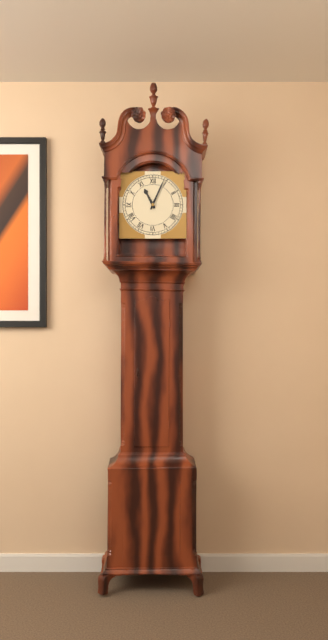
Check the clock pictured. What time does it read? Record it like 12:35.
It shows 11:04
